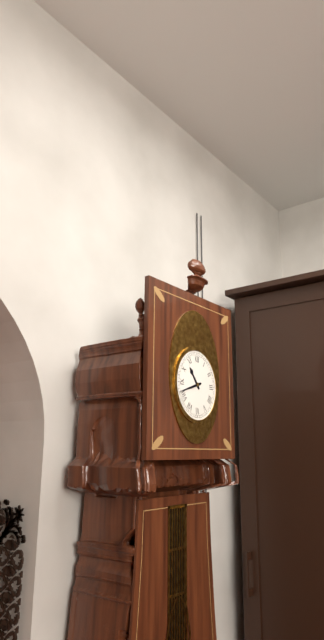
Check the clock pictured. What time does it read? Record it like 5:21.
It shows 10:42
